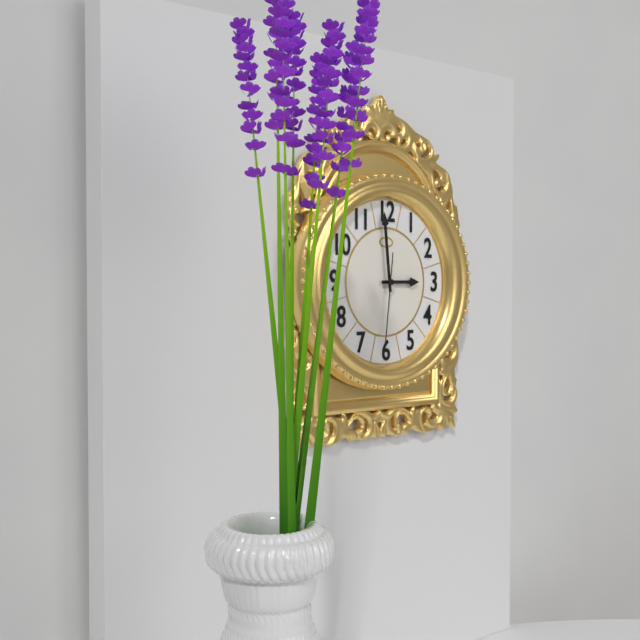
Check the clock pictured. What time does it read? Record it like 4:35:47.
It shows 2:59:31
